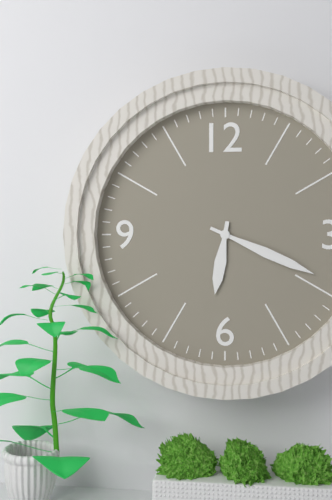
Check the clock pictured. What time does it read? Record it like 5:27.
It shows 6:19
